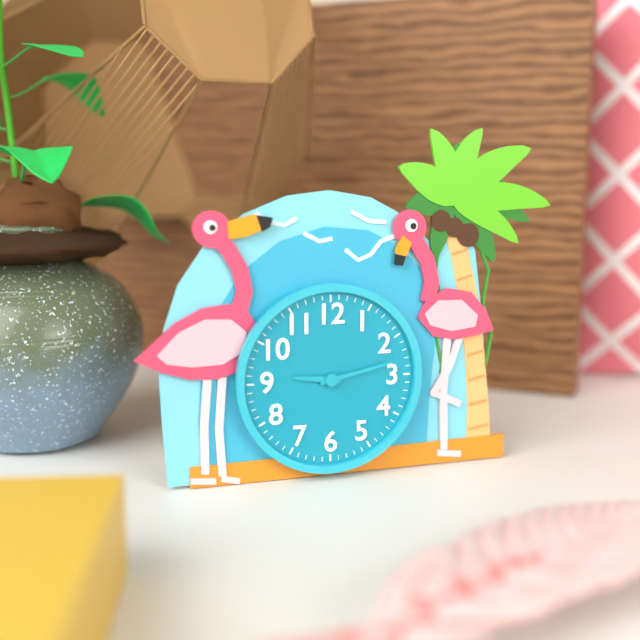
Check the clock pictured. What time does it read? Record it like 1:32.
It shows 9:13
